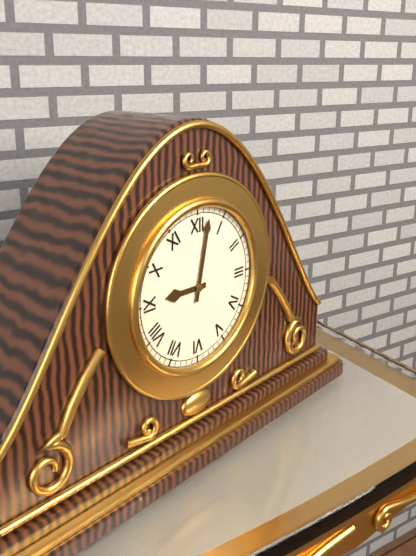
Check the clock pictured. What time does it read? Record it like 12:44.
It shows 9:02
